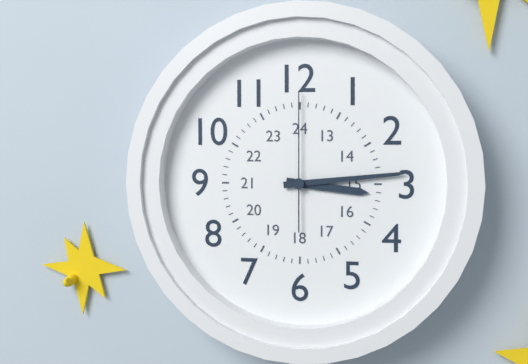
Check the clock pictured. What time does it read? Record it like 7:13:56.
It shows 3:14:00
